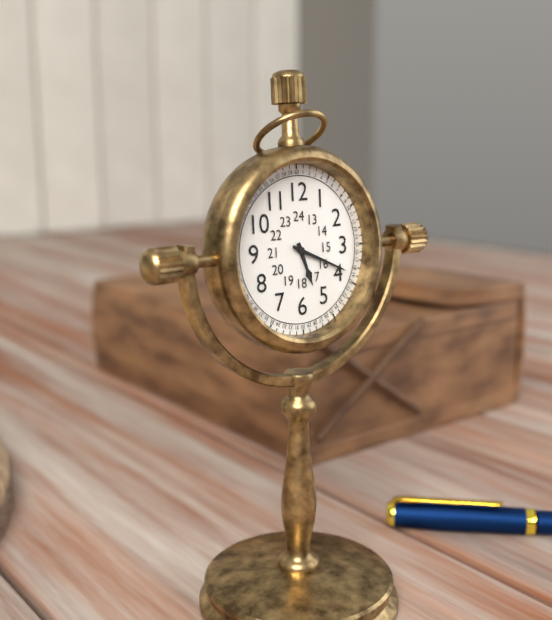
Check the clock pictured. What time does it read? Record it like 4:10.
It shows 5:19
